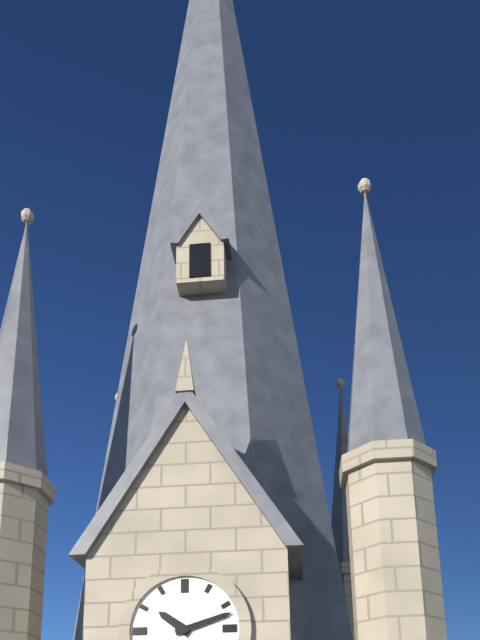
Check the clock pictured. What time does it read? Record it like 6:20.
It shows 10:12
